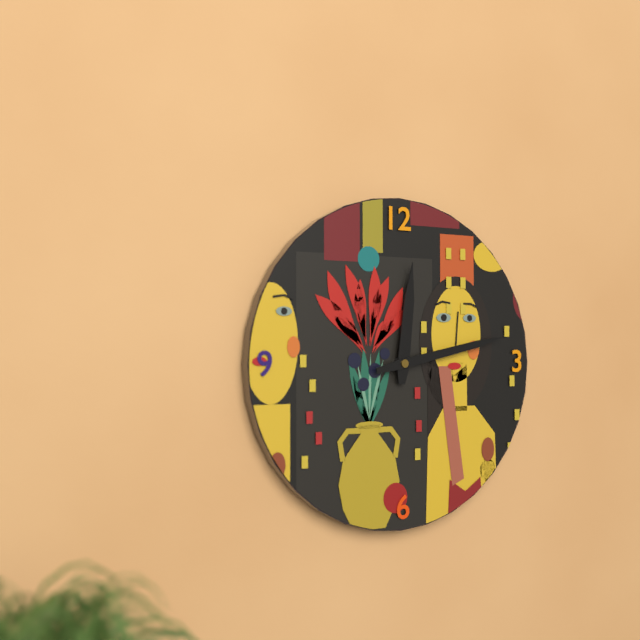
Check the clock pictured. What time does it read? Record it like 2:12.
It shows 12:13
